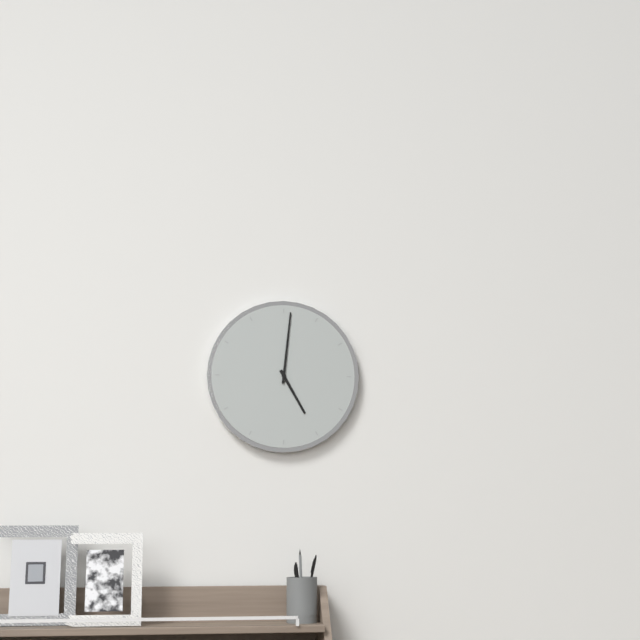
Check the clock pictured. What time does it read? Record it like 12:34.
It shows 5:01
